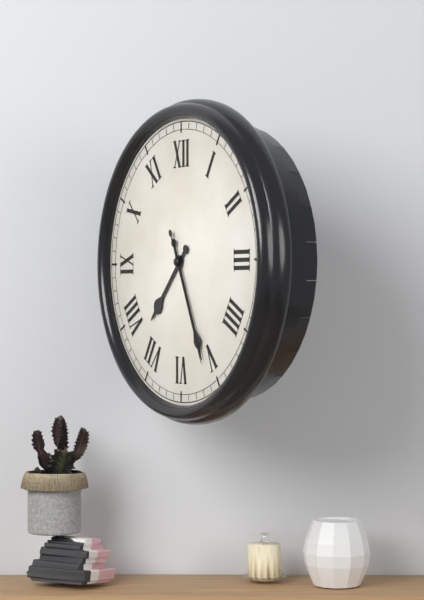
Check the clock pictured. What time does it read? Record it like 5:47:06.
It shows 7:26:26
